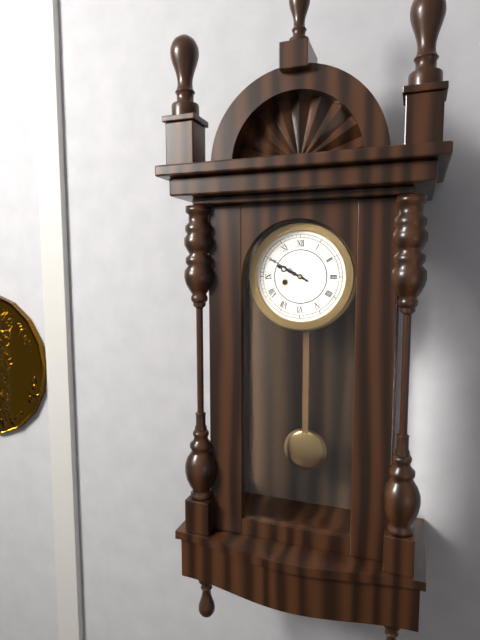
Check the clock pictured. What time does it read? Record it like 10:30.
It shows 9:50
